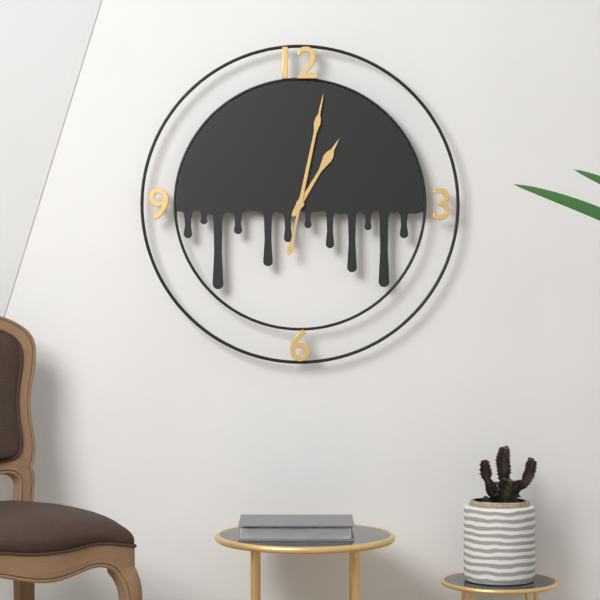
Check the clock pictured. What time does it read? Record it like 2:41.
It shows 1:02
